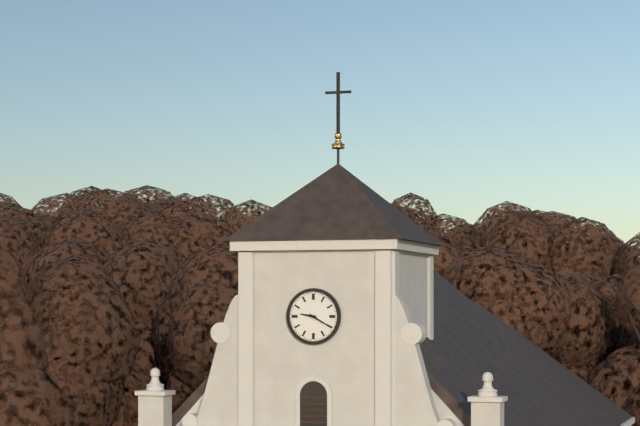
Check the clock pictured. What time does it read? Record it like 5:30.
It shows 9:20
